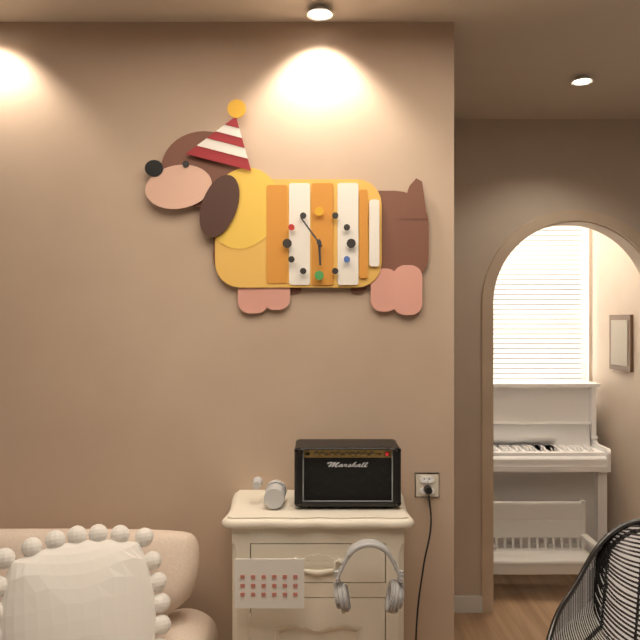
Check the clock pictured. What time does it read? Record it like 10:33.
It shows 5:54
